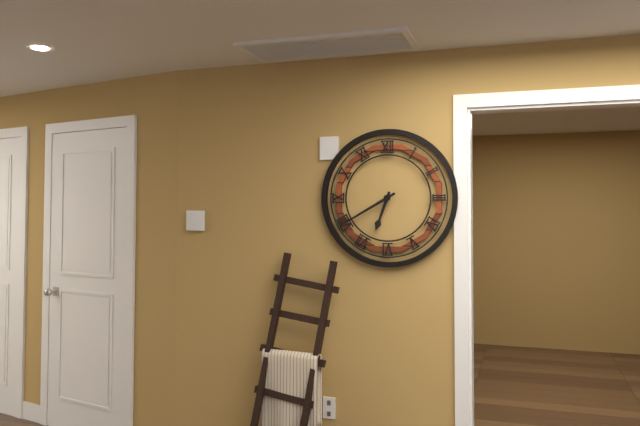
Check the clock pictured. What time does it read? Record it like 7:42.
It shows 6:40
